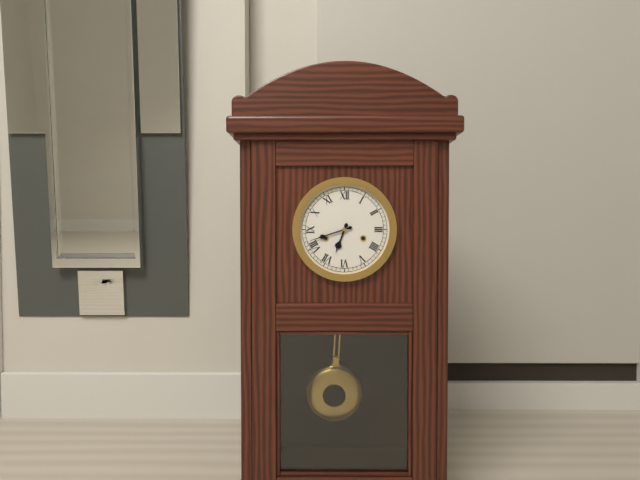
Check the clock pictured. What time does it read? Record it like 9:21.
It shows 6:42
